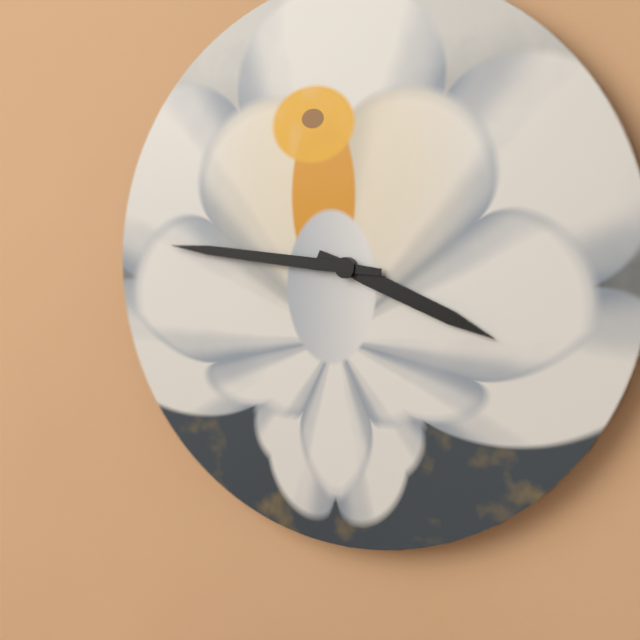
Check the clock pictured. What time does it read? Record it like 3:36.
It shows 3:46
